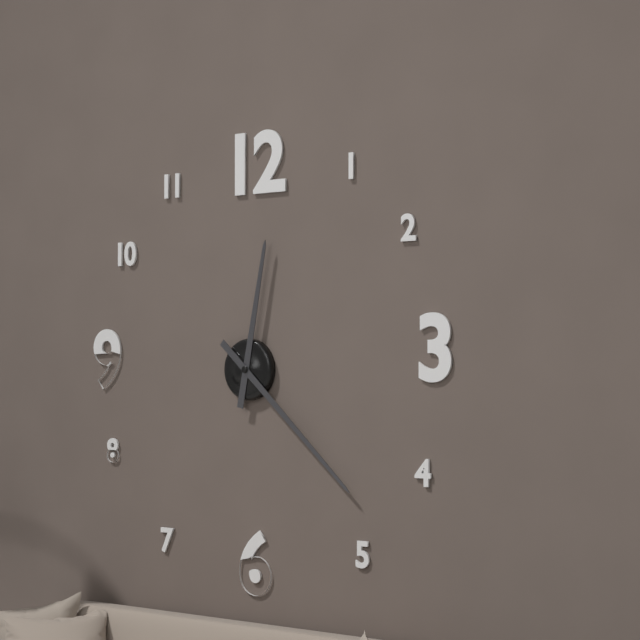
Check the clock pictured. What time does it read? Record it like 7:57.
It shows 12:22
